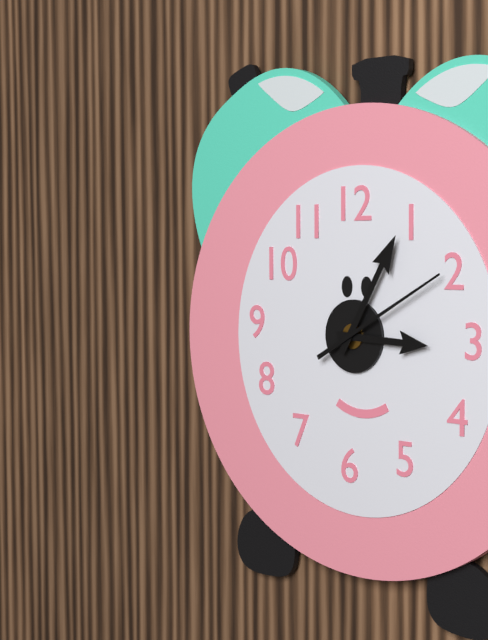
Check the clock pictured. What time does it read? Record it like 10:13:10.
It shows 3:05:10
